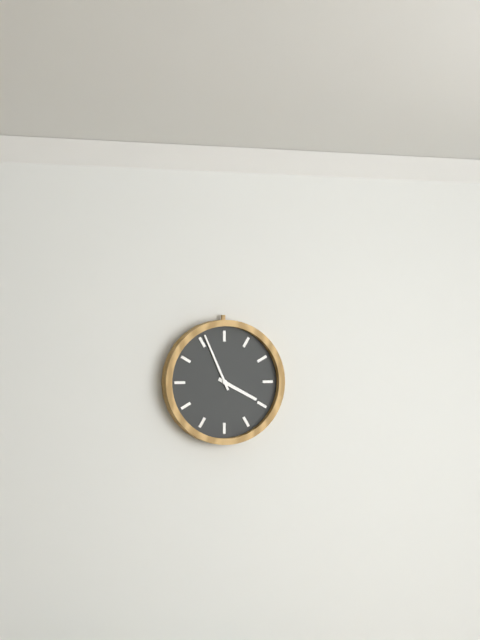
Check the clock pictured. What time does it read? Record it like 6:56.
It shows 3:56
